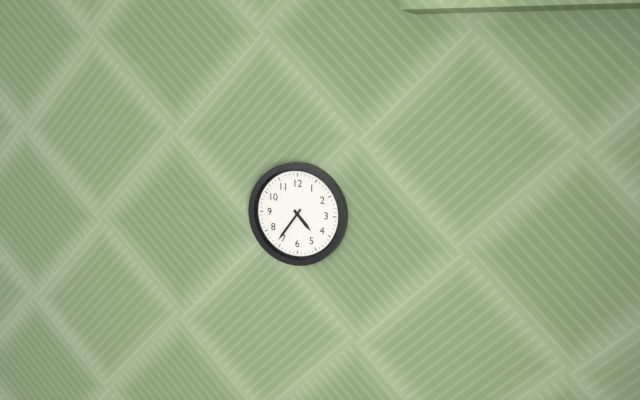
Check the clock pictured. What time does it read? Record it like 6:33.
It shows 4:36
